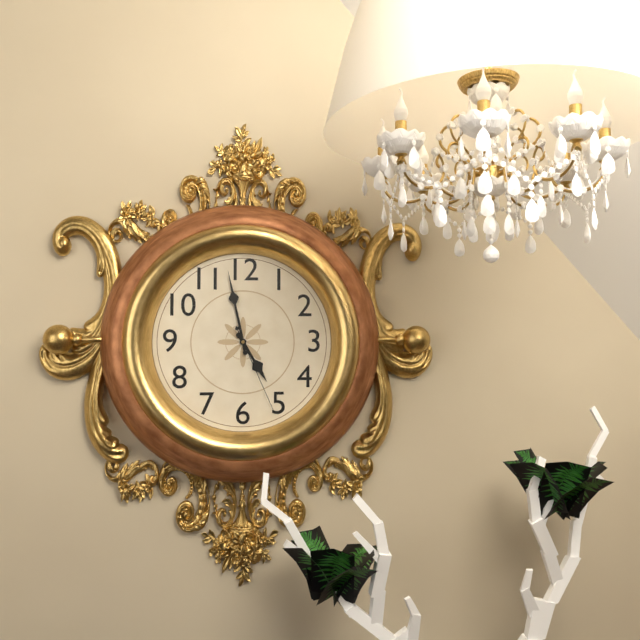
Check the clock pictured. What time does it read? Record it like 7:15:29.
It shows 4:58:26
